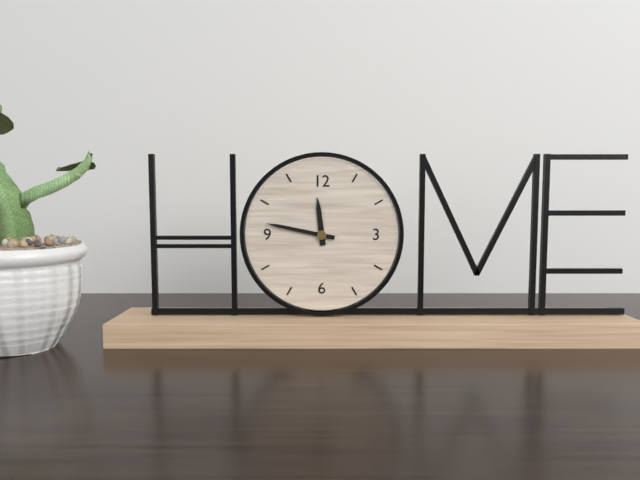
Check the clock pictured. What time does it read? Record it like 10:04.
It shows 11:47
